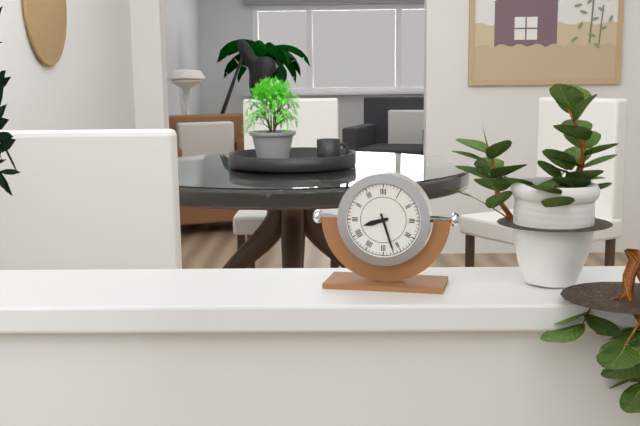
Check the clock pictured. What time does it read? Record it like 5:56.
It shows 8:27
